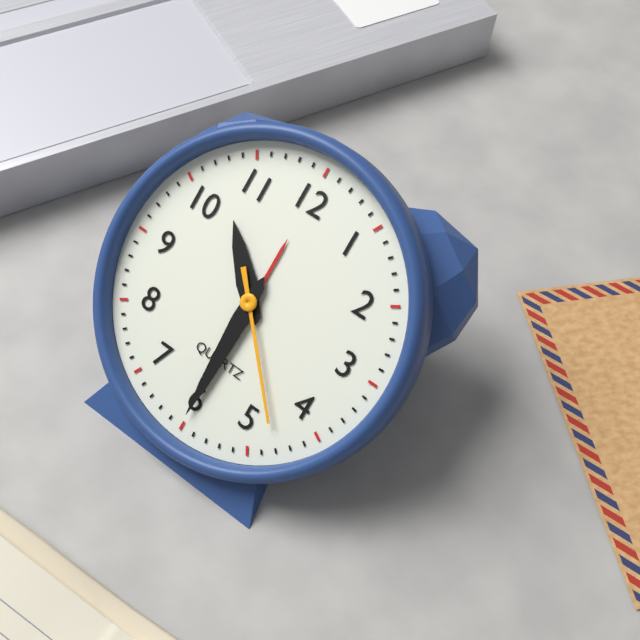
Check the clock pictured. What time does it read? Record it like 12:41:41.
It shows 10:30:23
